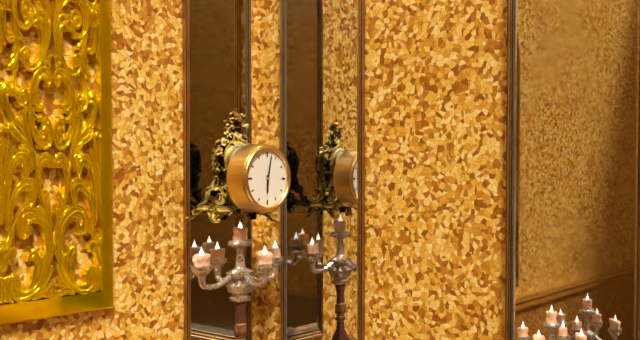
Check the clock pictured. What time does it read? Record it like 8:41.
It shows 6:02
